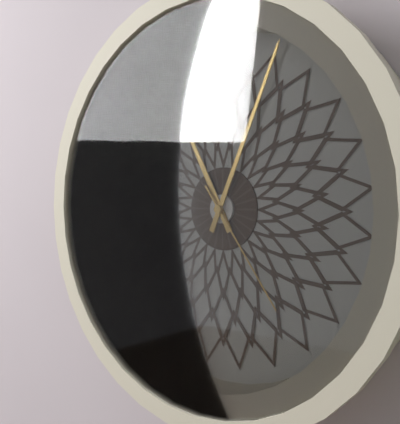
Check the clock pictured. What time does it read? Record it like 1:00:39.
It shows 11:04:24
